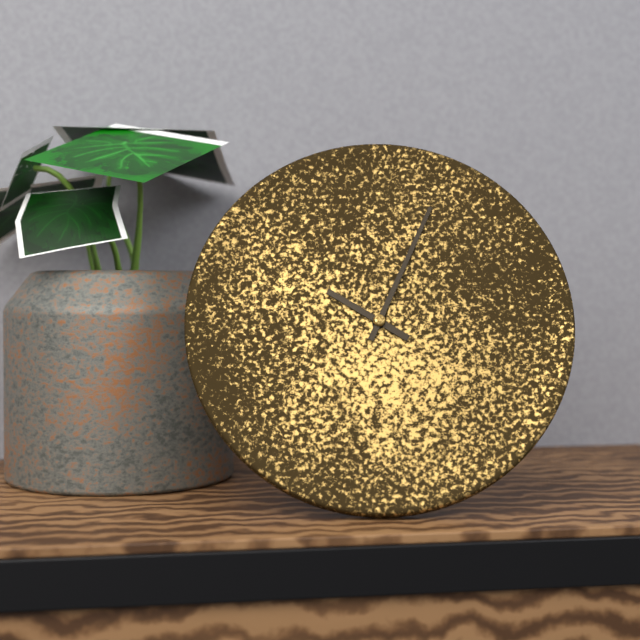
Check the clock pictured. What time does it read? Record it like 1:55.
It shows 10:04
